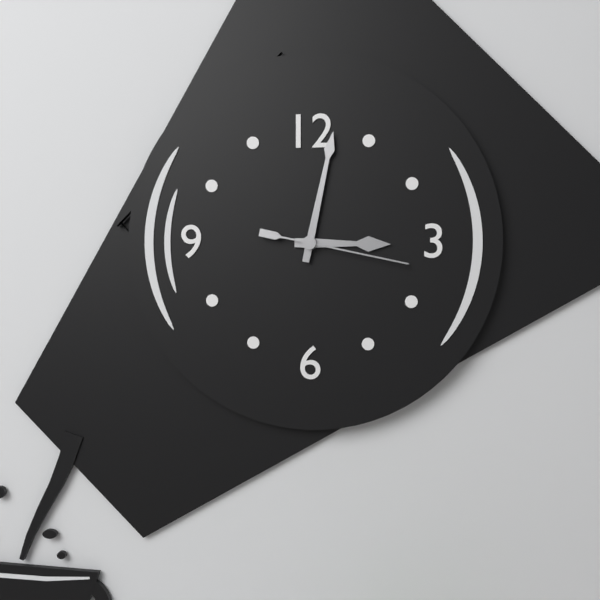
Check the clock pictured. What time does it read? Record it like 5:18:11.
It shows 3:02:17
